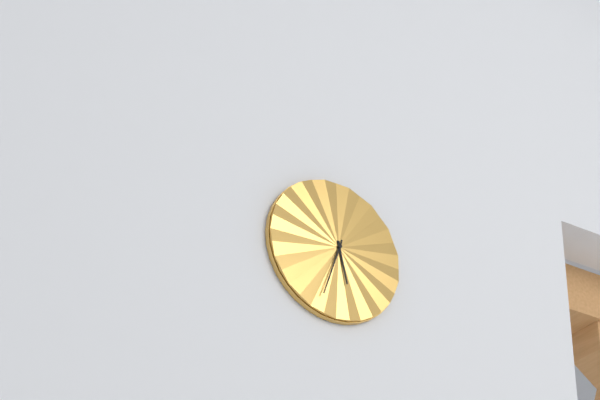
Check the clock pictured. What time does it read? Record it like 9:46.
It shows 5:33
